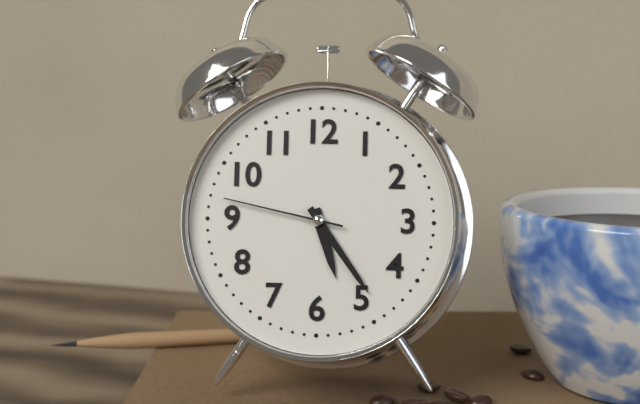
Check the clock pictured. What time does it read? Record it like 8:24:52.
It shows 5:24:47
